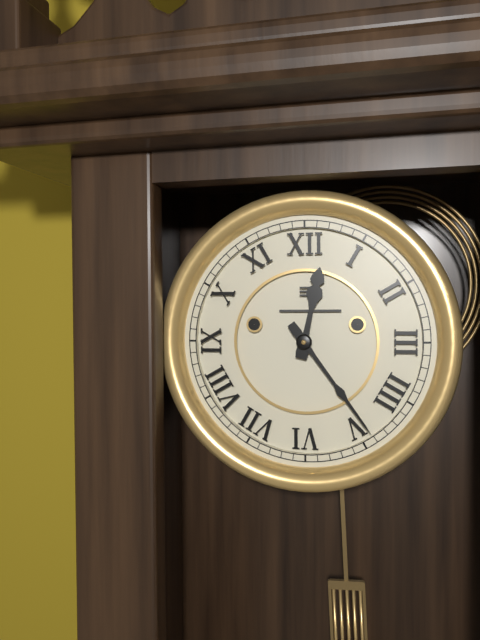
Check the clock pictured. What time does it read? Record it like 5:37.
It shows 12:24
